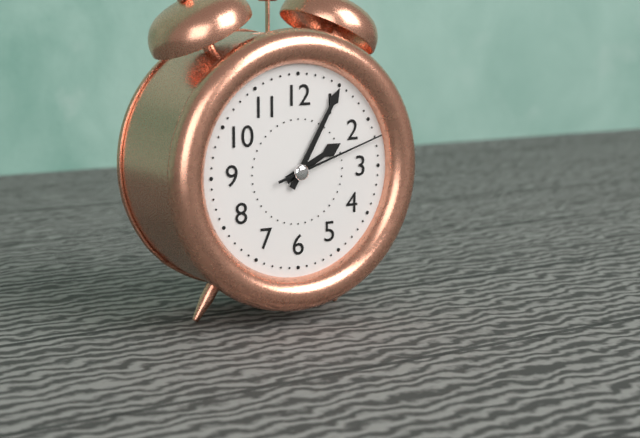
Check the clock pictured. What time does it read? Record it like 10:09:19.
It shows 2:05:12
